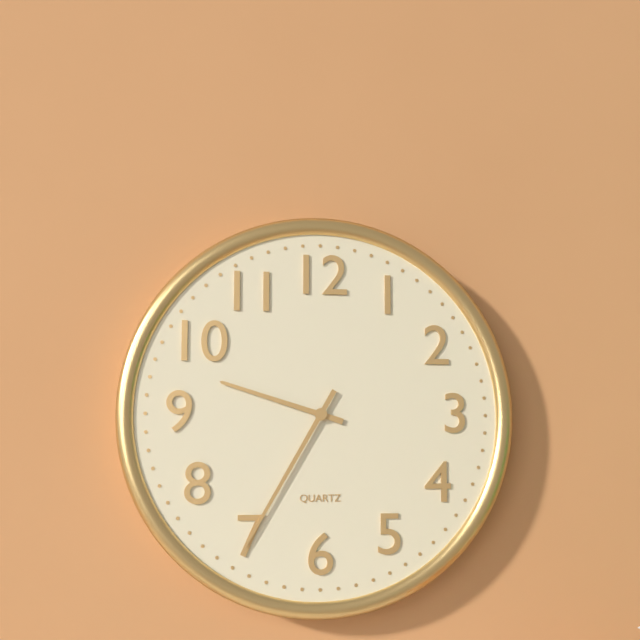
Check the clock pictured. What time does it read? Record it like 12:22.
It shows 9:35
